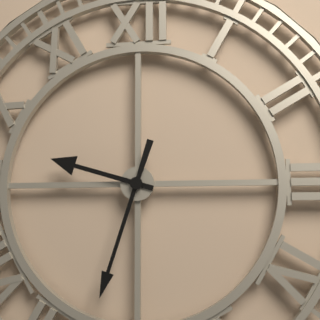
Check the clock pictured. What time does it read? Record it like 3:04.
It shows 9:33
